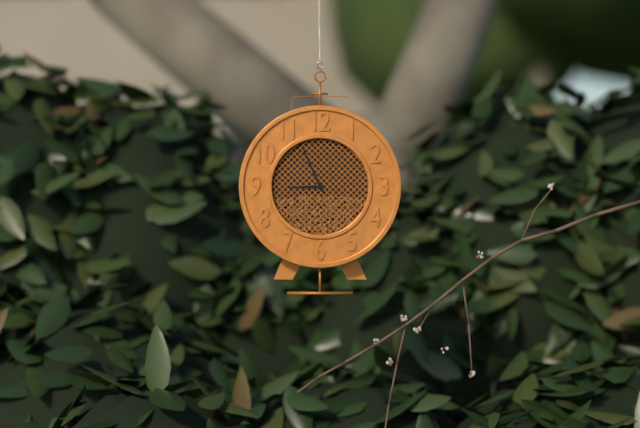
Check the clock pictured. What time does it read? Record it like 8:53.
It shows 8:56
